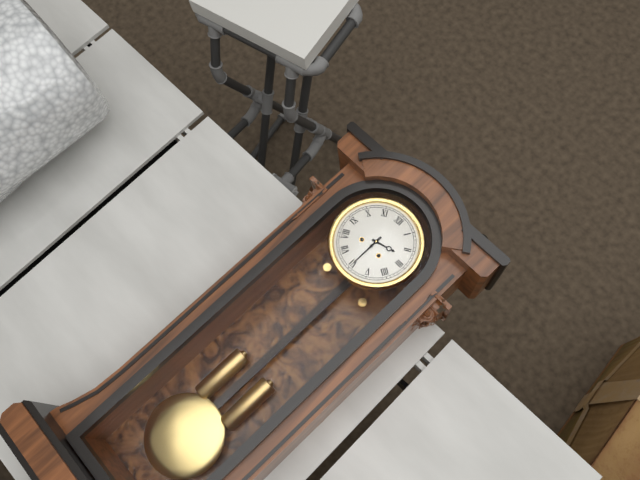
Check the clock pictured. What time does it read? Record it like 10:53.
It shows 2:30
